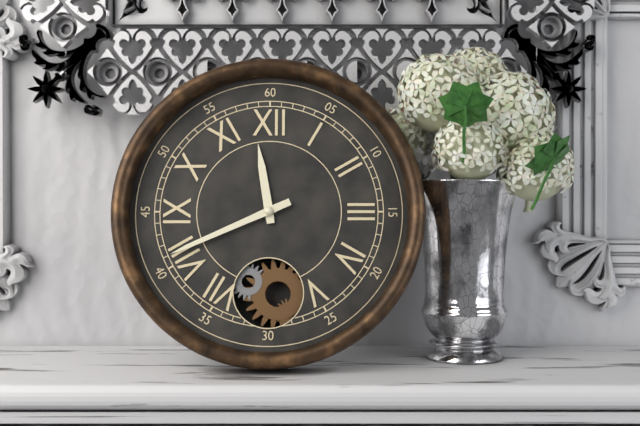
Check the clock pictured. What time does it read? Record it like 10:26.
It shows 11:41
